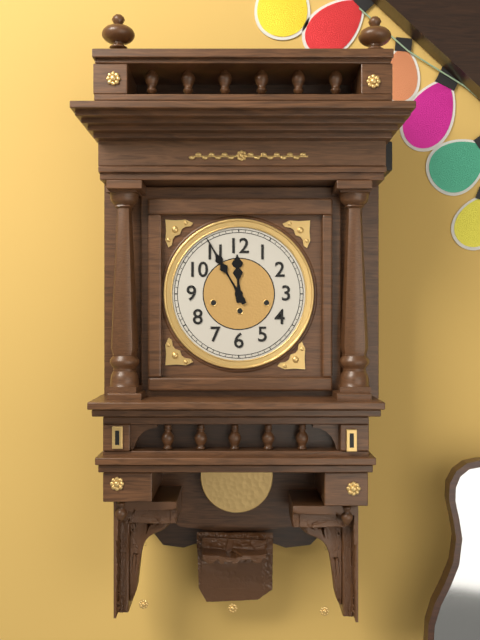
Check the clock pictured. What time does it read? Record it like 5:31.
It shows 11:55
